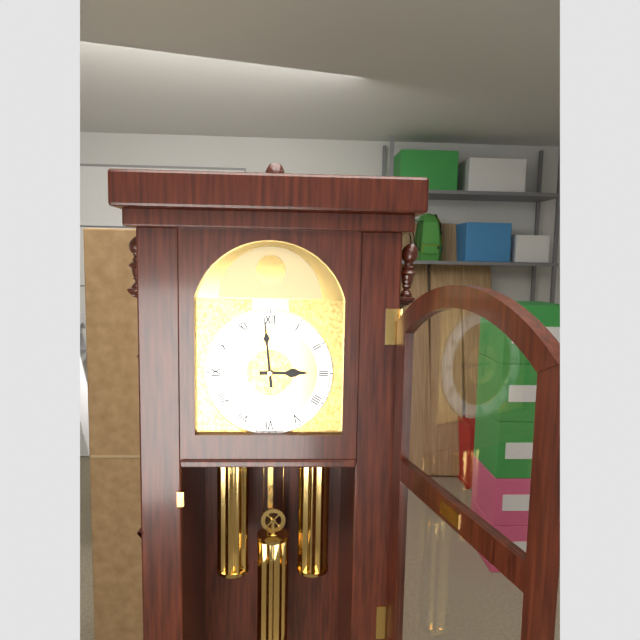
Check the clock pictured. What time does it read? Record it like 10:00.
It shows 2:59
